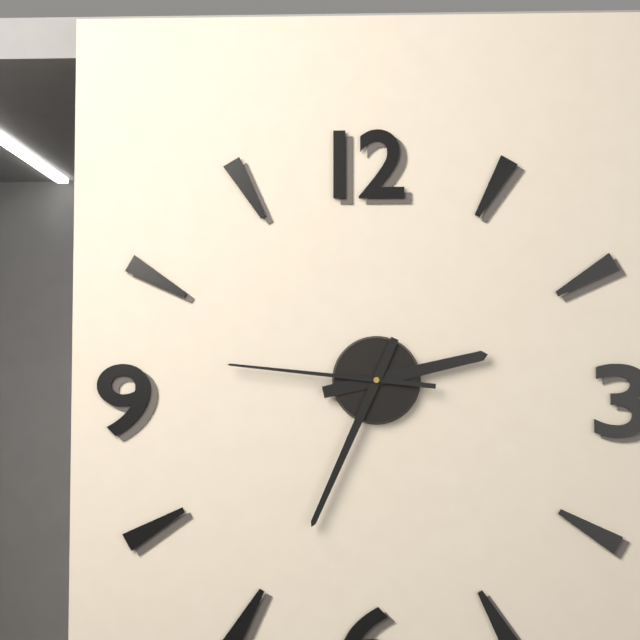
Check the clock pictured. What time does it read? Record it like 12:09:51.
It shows 2:34:46
